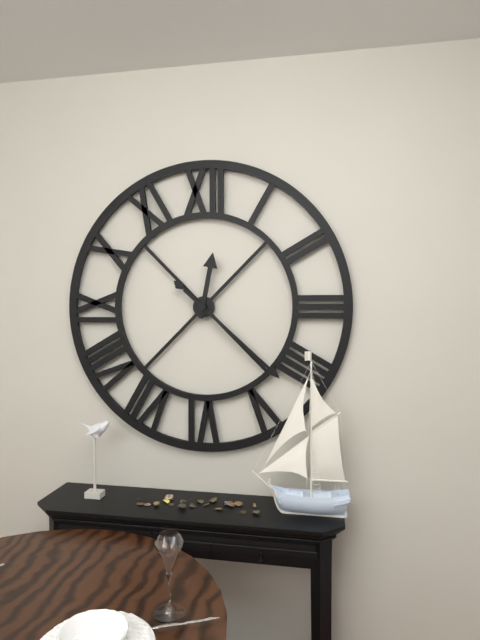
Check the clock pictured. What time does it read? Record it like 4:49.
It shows 12:22
